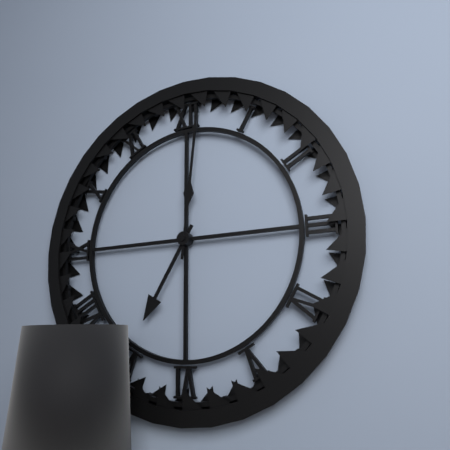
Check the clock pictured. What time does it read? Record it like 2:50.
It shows 7:01
